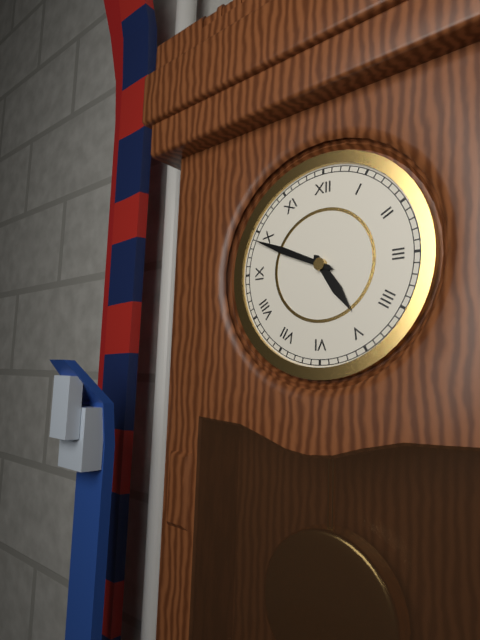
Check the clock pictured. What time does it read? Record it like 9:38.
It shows 4:49
